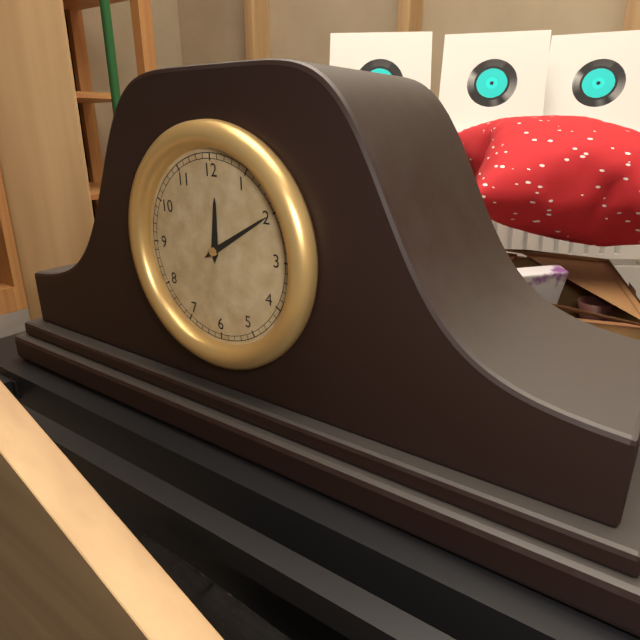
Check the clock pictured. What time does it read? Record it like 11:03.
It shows 12:10
